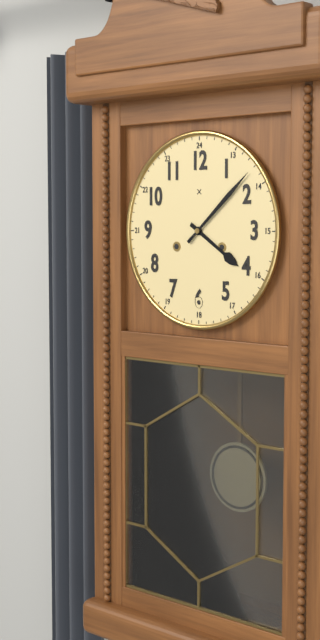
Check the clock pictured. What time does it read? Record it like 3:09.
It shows 4:08
